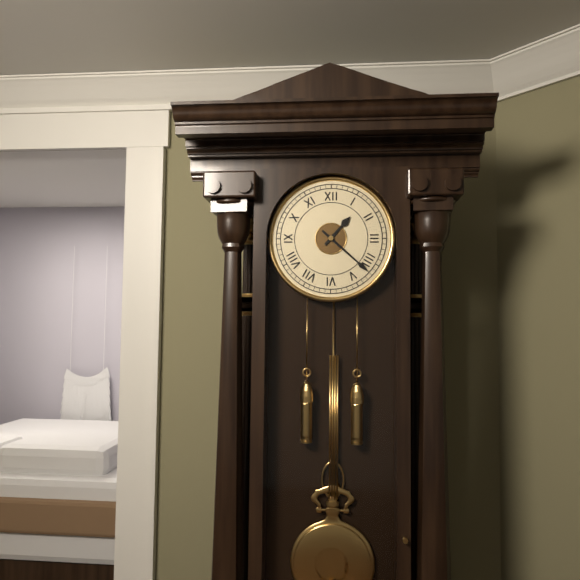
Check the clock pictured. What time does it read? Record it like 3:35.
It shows 1:22
